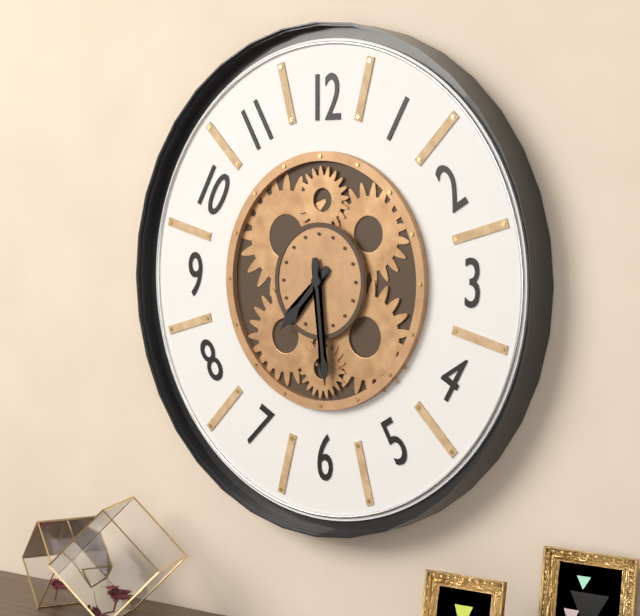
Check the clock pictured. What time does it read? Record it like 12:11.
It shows 7:29
